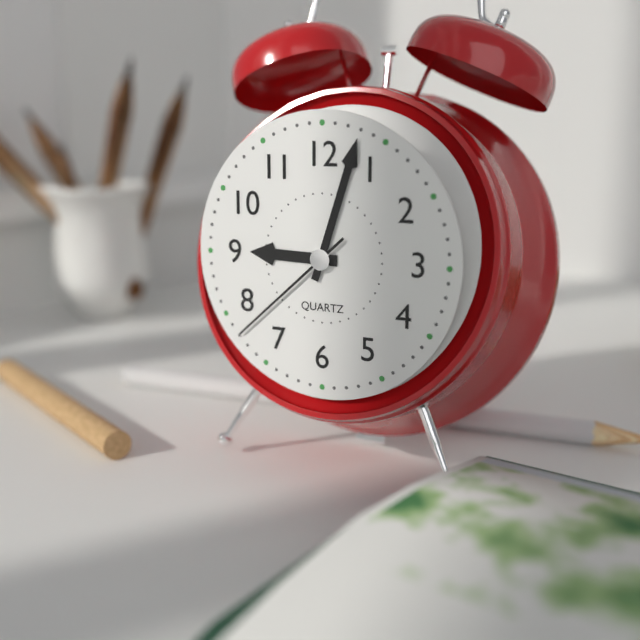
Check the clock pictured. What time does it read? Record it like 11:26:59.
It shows 9:03:38
